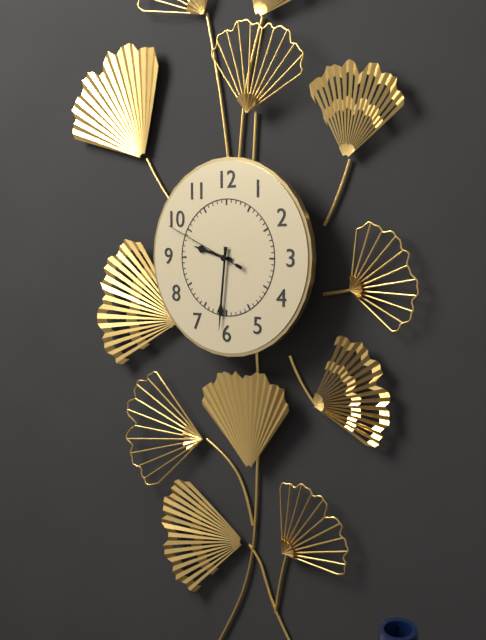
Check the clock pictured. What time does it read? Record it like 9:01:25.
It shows 9:31:49
